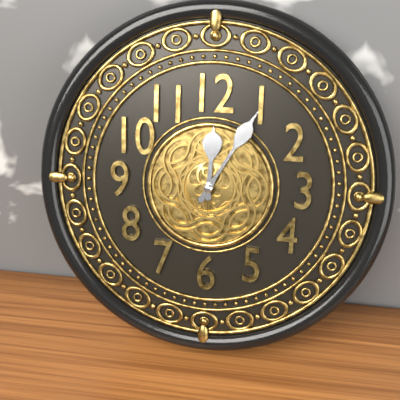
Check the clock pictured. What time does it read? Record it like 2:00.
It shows 12:05
